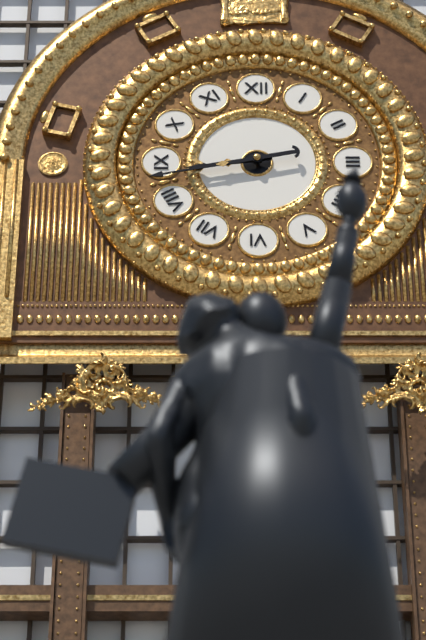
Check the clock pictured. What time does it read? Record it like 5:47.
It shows 8:43
